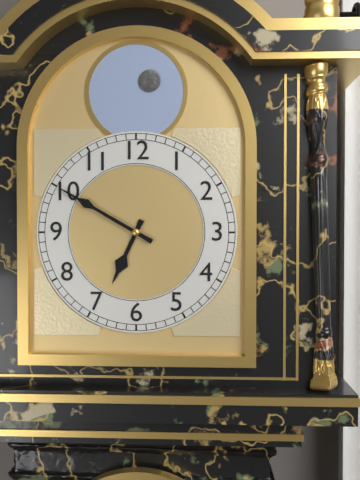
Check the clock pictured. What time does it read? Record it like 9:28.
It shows 6:50
